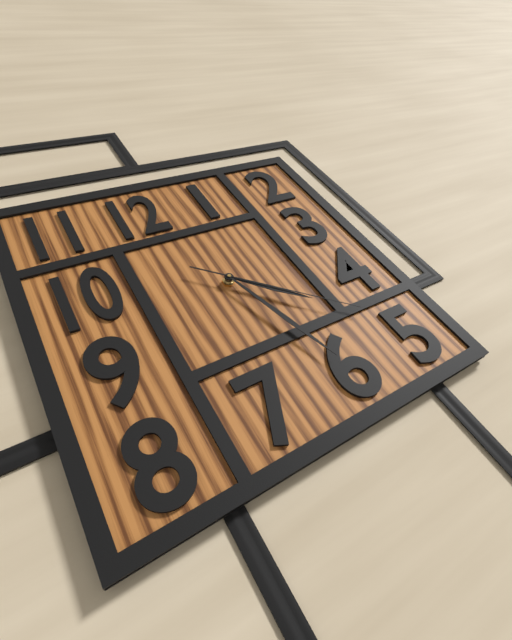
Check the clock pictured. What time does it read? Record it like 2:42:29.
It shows 4:27:22
